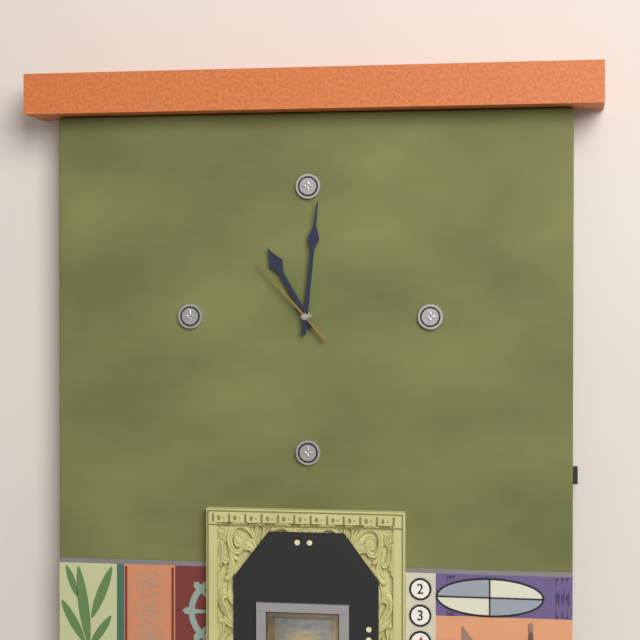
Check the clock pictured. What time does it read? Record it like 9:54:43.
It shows 11:01:53
